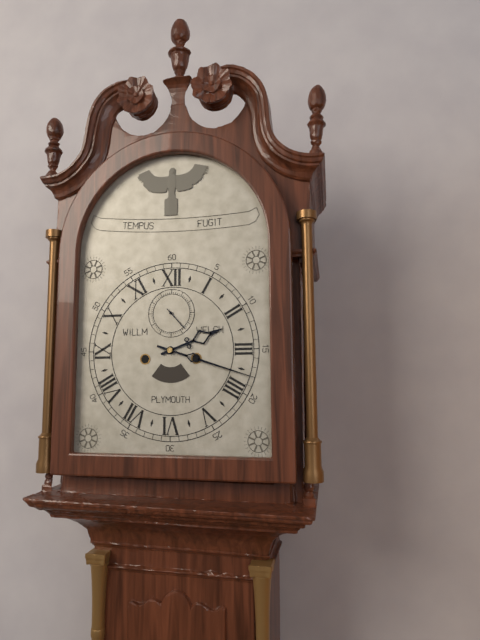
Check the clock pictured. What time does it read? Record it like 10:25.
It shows 2:18
